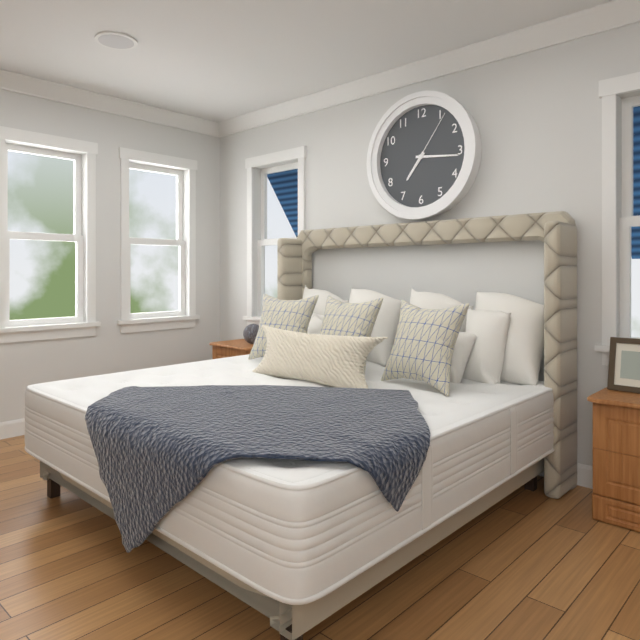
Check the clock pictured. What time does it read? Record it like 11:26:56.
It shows 7:16:06
